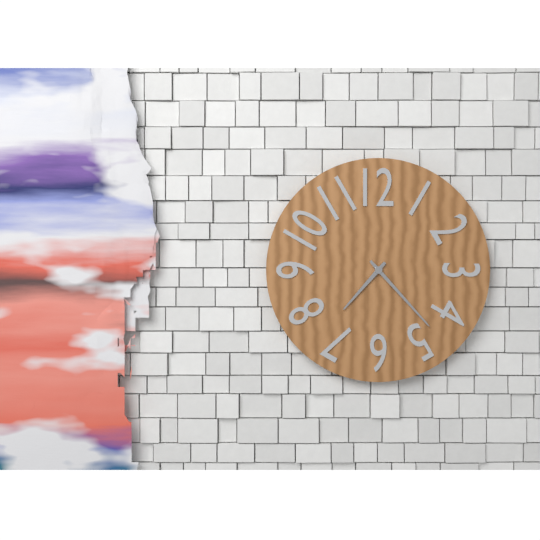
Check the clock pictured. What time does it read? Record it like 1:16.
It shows 7:23
